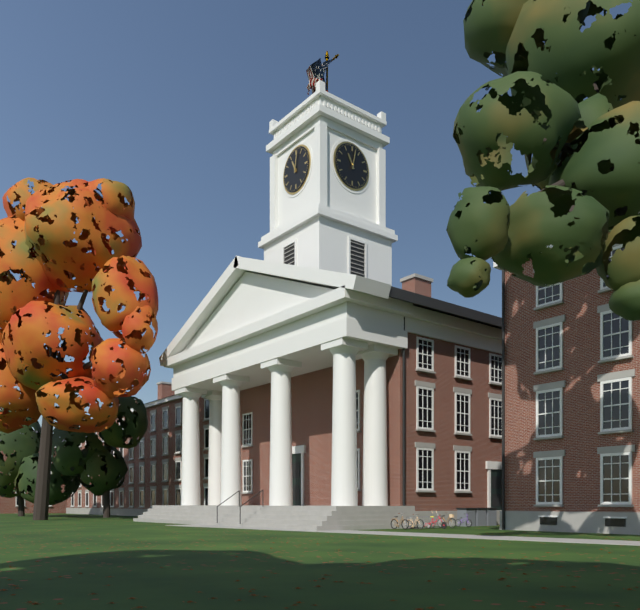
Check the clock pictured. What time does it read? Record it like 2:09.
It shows 11:02
